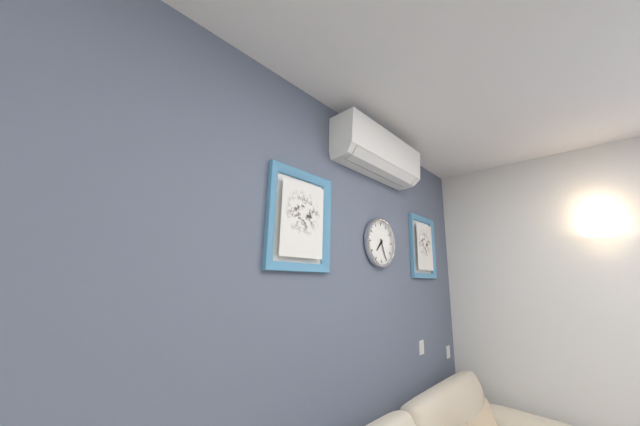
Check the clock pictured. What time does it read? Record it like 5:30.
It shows 7:26
